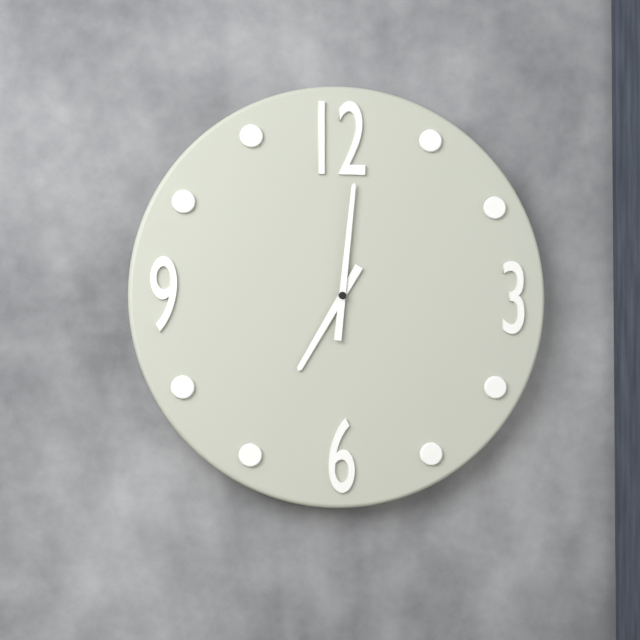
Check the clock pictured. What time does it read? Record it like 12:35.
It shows 7:01
